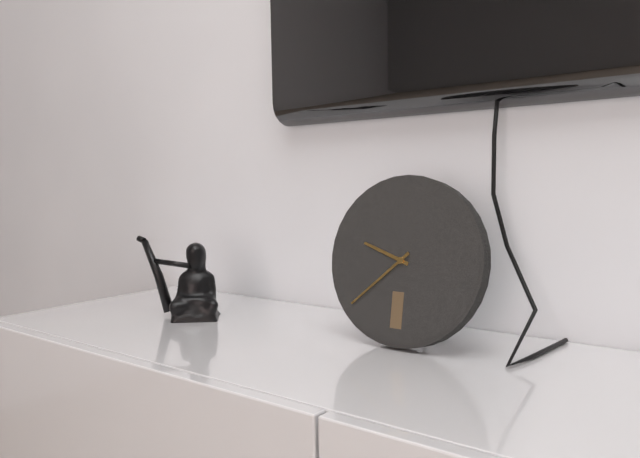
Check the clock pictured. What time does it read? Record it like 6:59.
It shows 9:38
